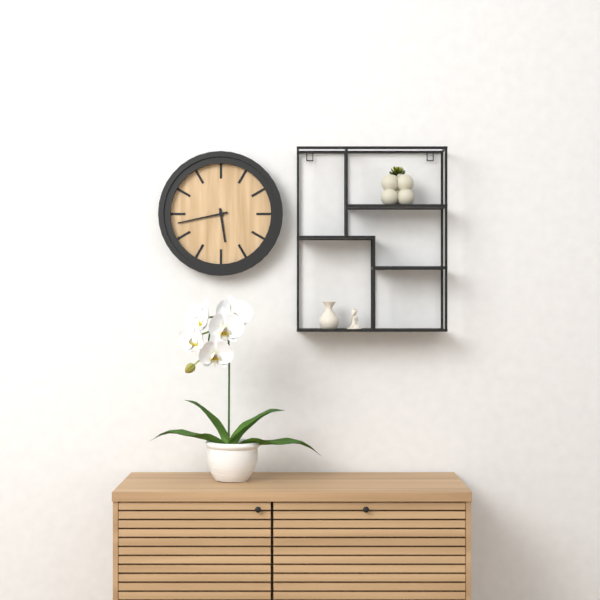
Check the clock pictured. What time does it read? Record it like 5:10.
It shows 5:43
